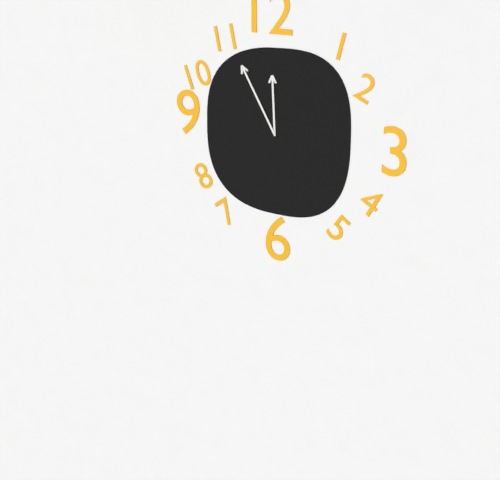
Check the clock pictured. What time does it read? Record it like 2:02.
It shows 11:55
